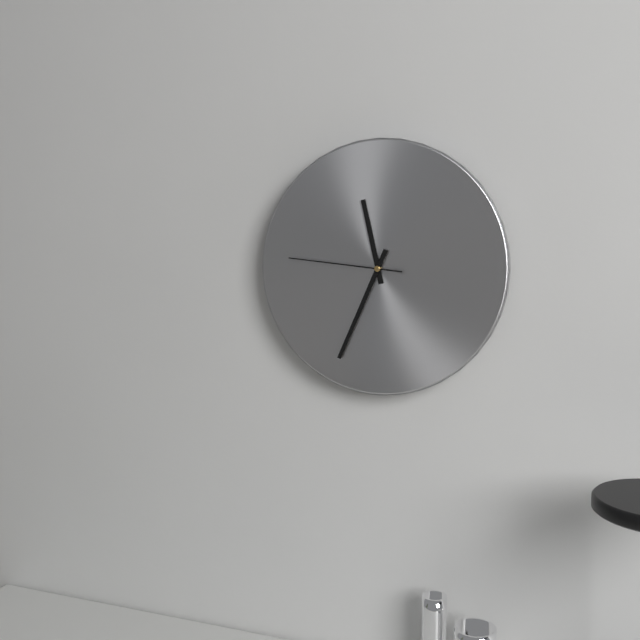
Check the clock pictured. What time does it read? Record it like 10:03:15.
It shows 11:34:46
